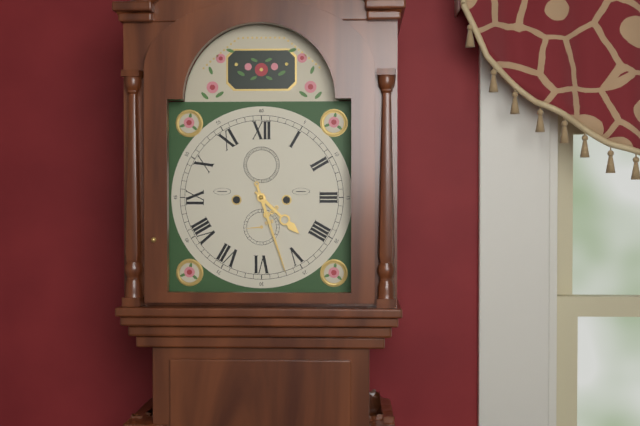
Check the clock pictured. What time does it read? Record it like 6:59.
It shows 4:27
